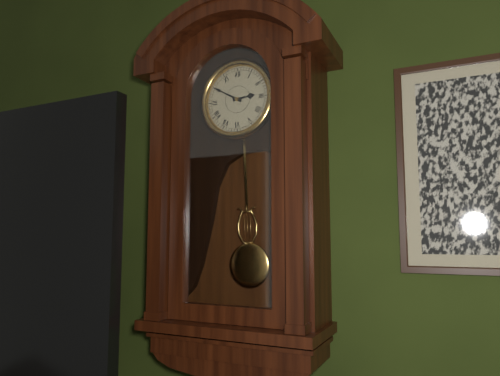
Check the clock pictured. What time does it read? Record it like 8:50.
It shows 2:50
